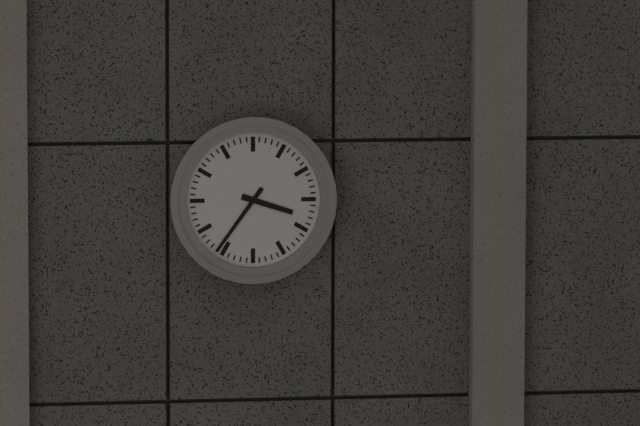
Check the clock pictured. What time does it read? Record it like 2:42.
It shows 3:36
